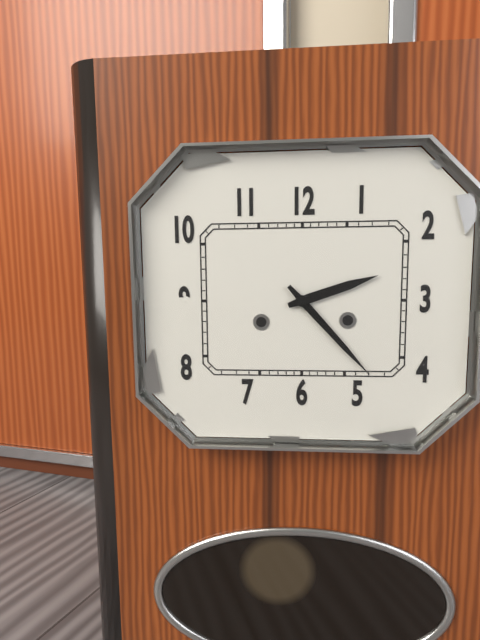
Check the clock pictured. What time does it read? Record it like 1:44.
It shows 2:23
